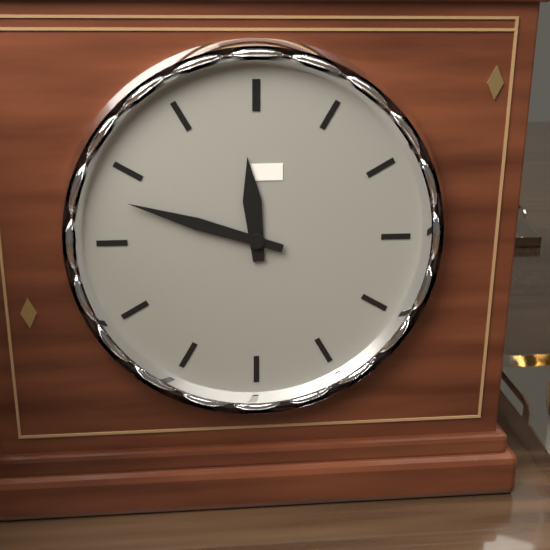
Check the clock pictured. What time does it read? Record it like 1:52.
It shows 11:48
